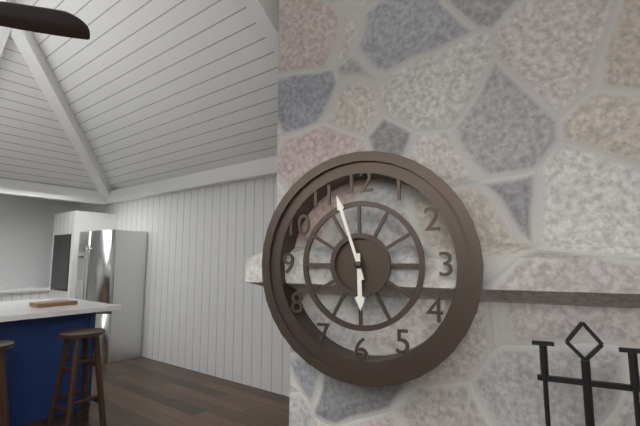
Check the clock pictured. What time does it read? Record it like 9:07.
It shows 5:57
